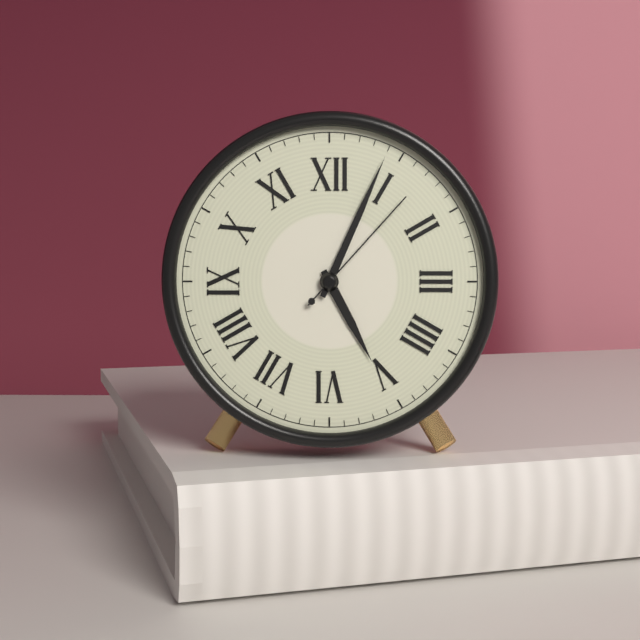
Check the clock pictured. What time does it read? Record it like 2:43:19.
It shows 5:04:07
